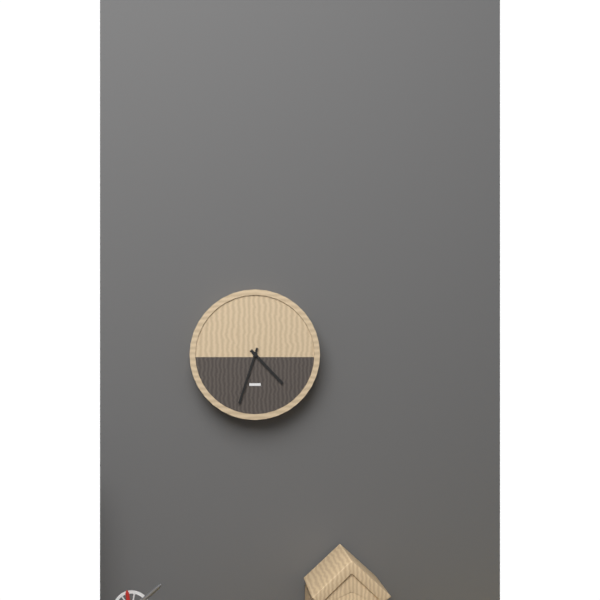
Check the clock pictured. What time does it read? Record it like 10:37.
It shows 4:33
